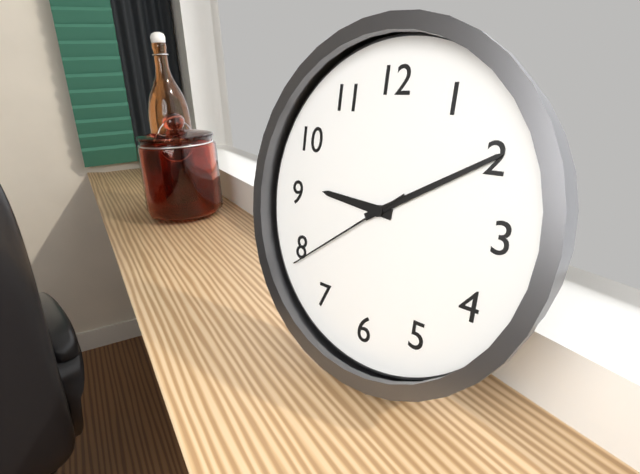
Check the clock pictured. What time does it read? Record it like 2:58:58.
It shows 9:10:39
